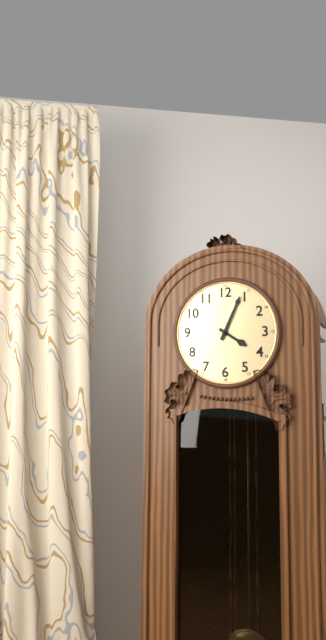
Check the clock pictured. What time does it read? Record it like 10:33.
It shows 4:04
